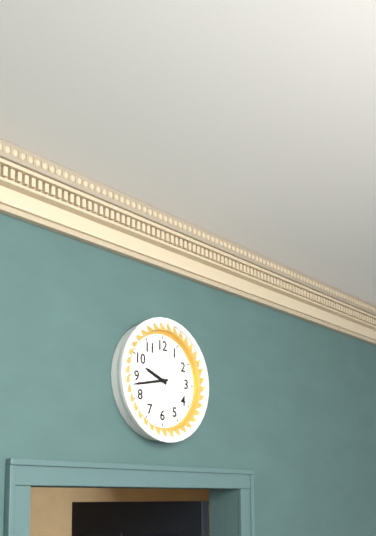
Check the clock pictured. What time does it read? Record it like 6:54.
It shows 9:43
